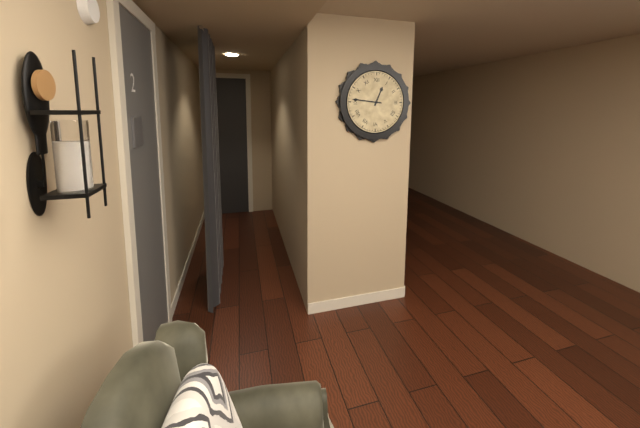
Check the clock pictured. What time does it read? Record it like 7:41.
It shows 12:46
